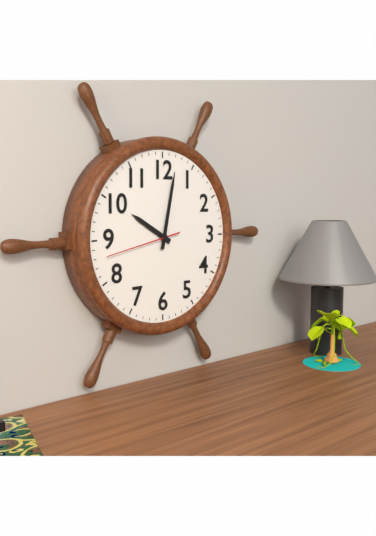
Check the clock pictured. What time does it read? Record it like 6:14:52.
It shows 10:02:43
